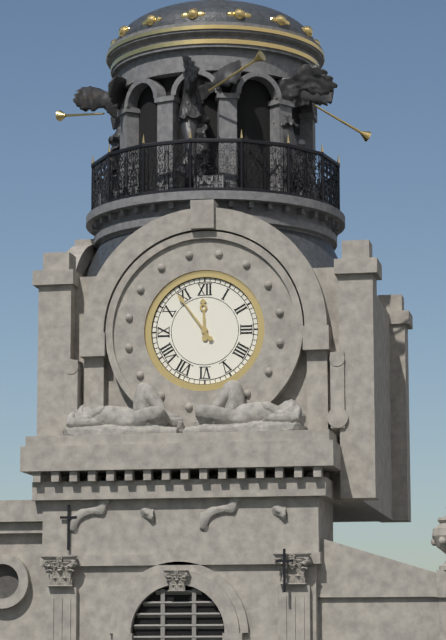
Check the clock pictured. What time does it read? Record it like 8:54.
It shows 11:54
